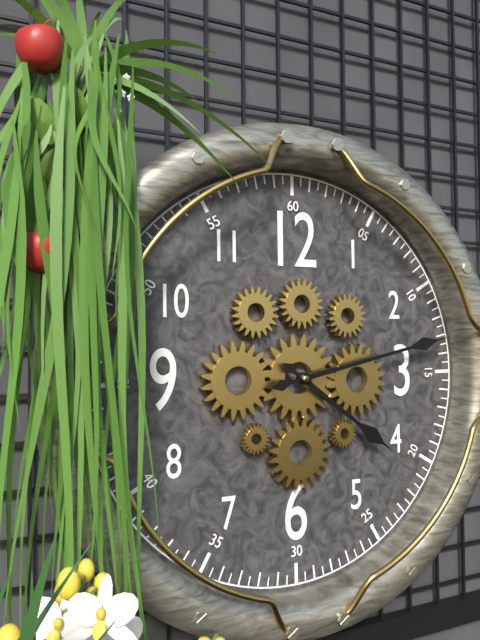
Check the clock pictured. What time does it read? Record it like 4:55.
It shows 4:13
